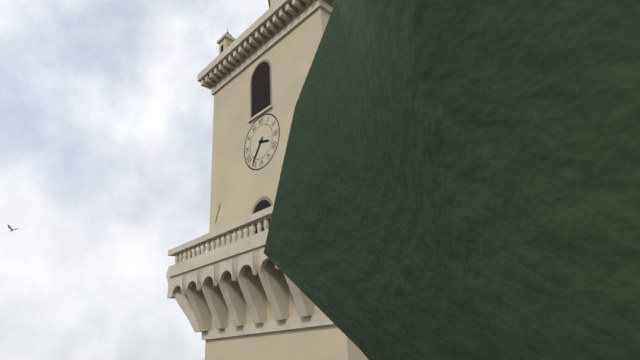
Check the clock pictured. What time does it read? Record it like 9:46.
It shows 3:36
